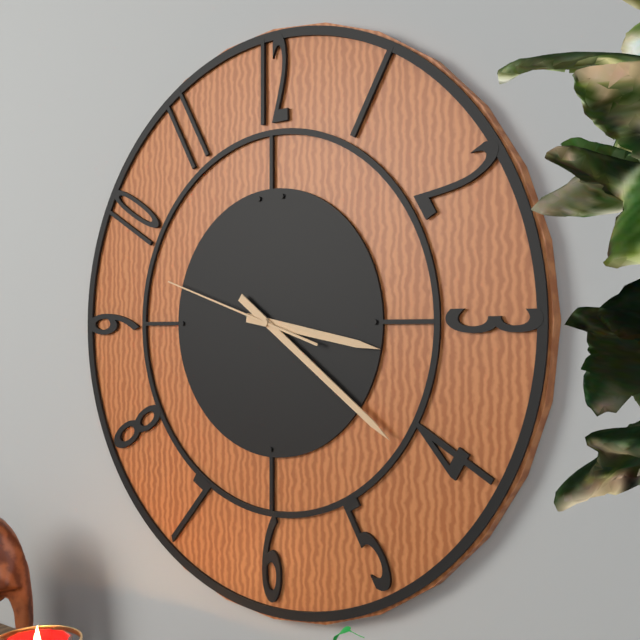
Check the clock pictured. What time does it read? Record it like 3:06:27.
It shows 3:21:48
